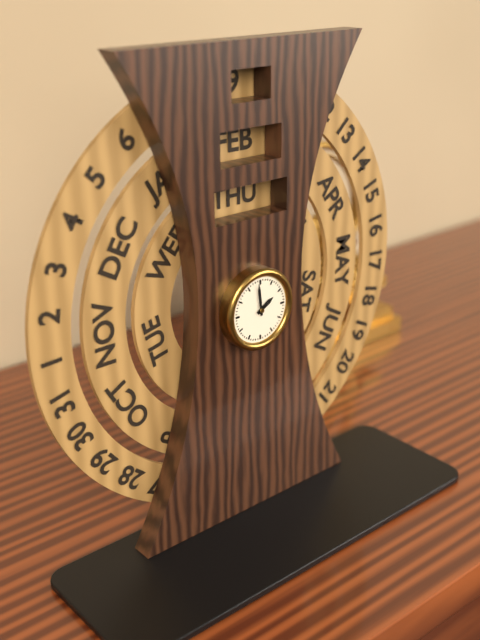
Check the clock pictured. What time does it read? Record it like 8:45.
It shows 1:59
